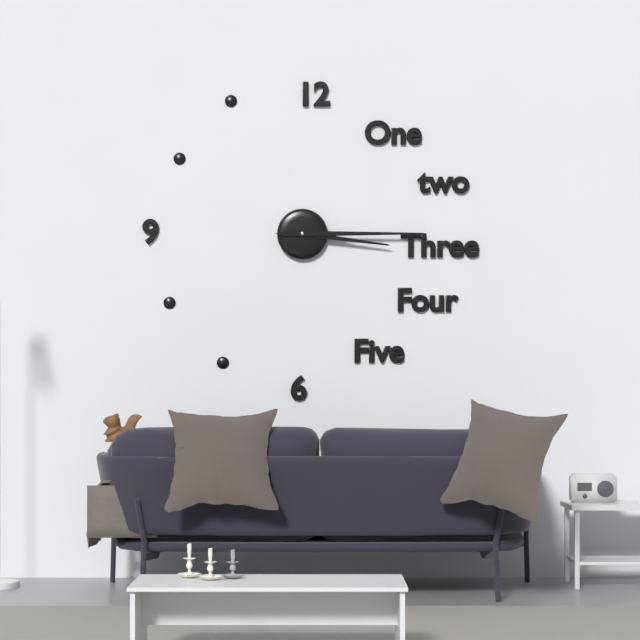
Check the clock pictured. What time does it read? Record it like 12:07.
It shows 3:15
